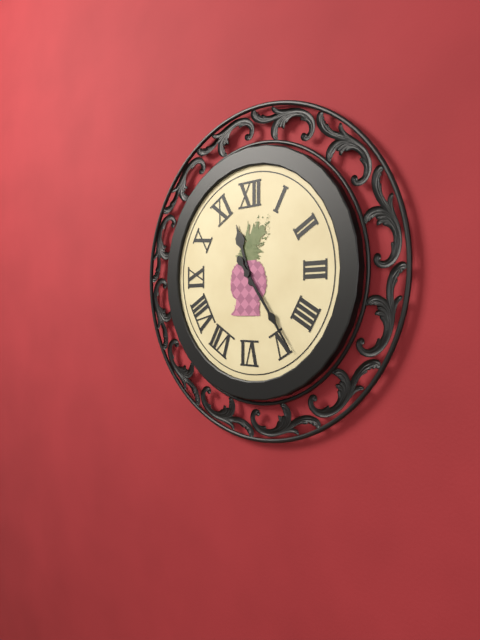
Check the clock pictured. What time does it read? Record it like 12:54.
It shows 11:24
